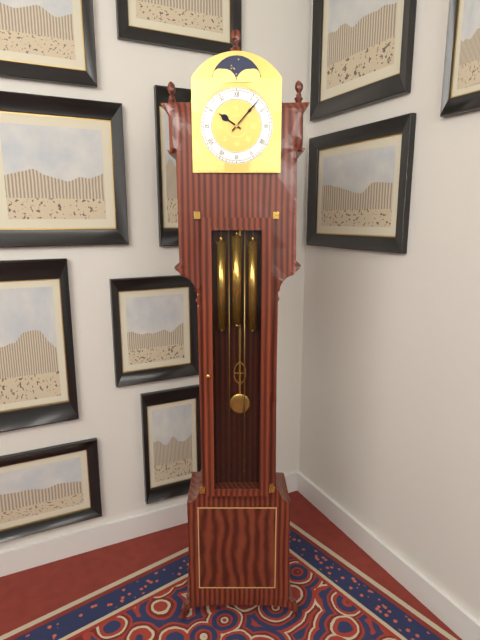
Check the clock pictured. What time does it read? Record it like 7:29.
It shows 10:07
